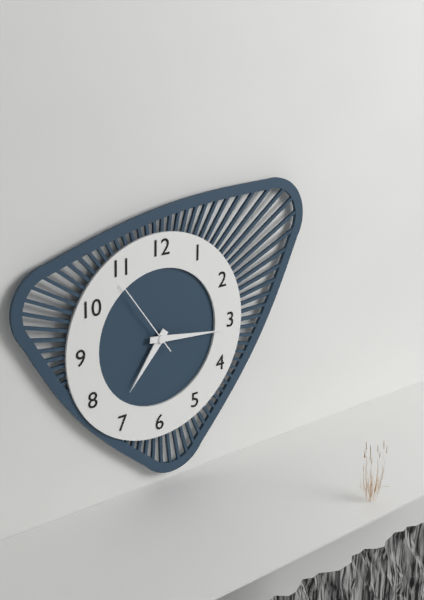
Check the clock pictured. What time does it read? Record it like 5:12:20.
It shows 7:16:54
